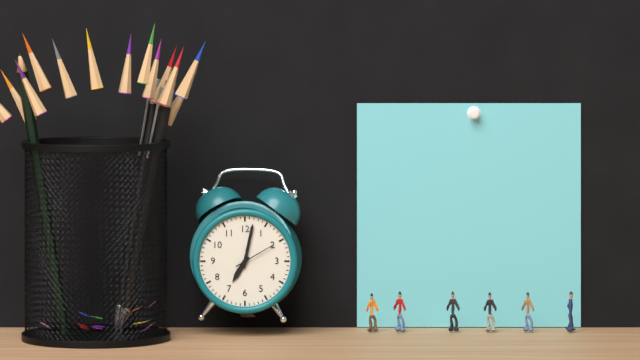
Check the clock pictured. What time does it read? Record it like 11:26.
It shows 7:02
